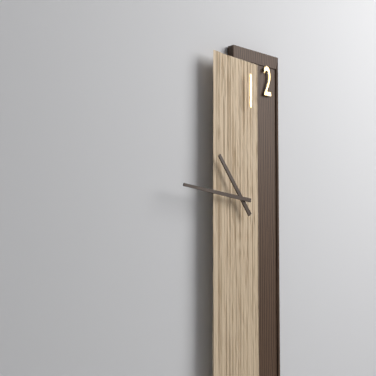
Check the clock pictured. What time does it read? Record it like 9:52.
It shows 10:46
